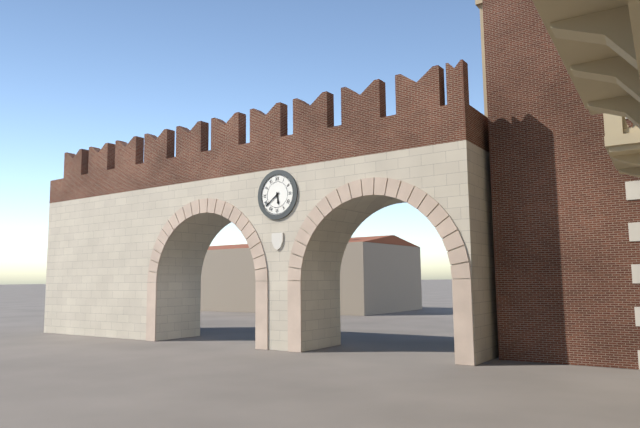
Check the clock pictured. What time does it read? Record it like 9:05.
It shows 5:39
